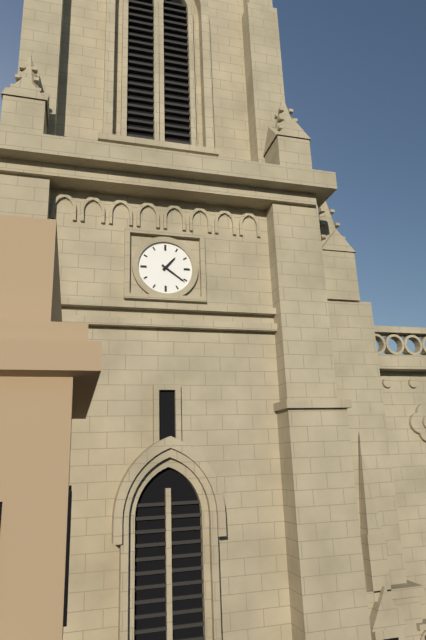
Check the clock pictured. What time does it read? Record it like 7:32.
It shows 1:21
